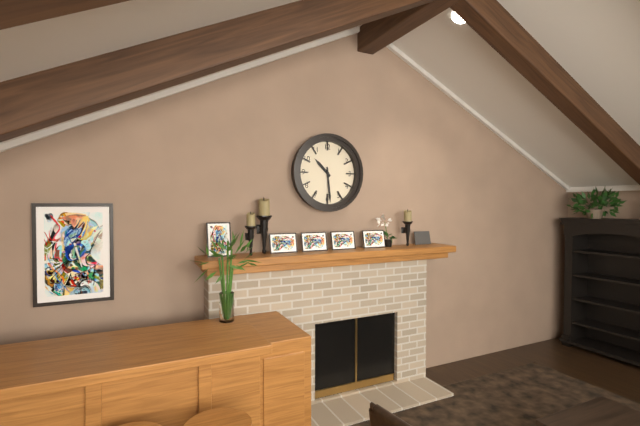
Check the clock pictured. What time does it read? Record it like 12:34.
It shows 10:29
